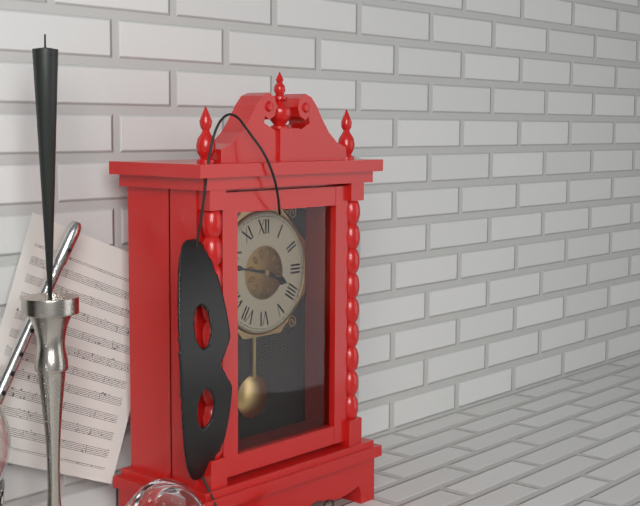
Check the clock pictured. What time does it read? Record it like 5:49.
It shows 3:47
